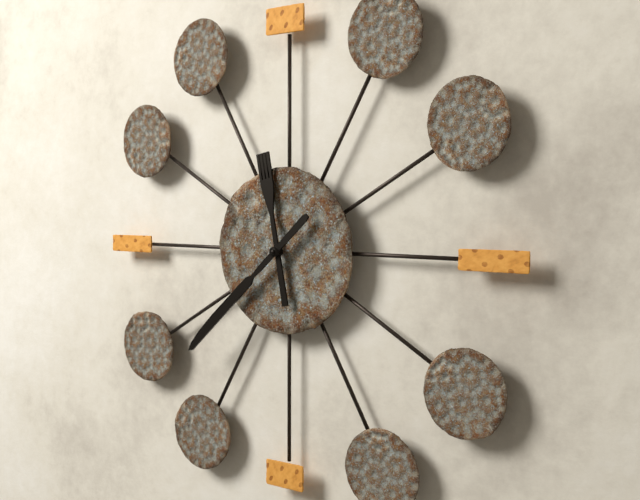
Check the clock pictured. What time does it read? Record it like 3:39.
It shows 11:38
